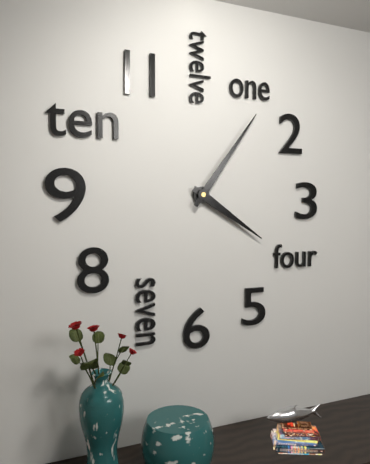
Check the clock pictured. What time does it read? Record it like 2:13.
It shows 4:06
